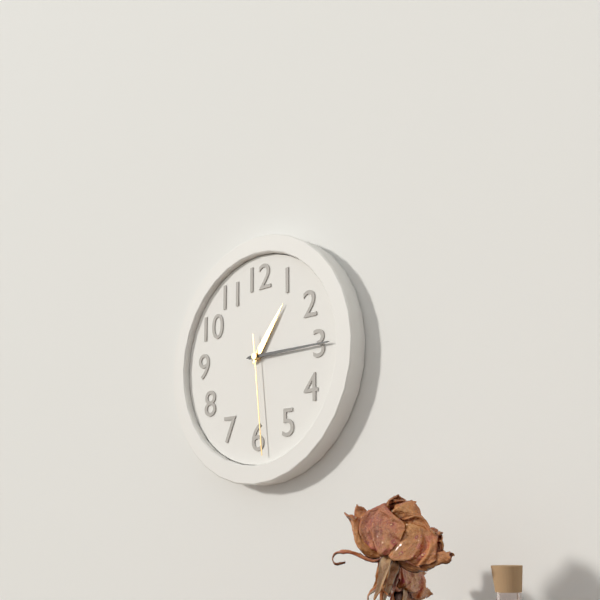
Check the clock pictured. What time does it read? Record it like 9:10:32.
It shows 1:15:29
